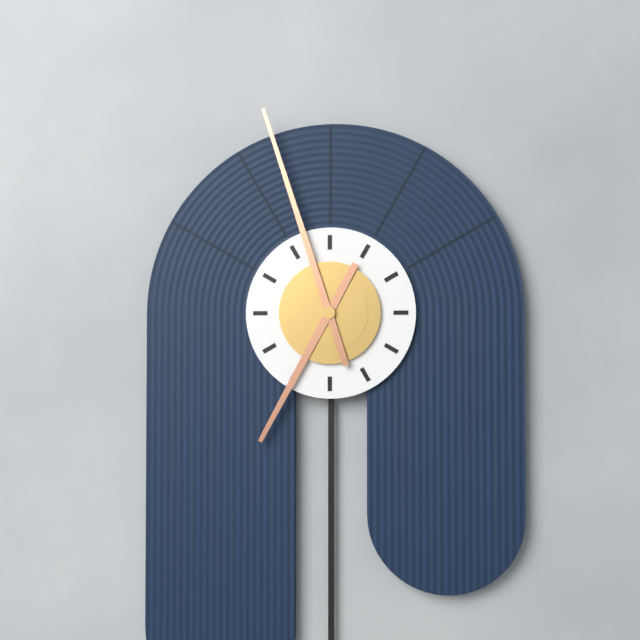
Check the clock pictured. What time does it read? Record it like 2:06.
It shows 6:57
